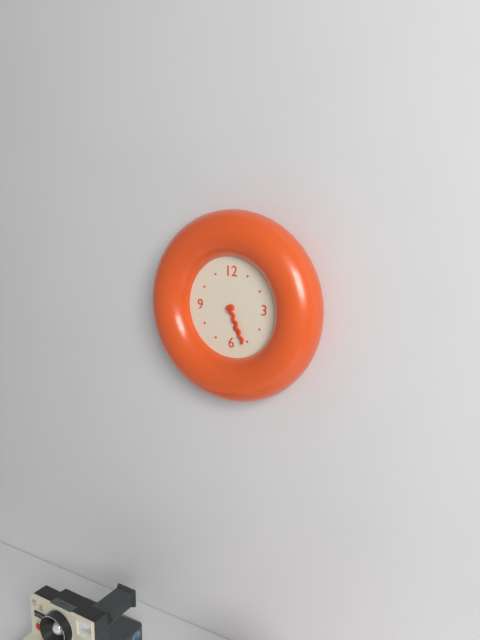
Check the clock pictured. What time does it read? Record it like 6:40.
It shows 5:26
